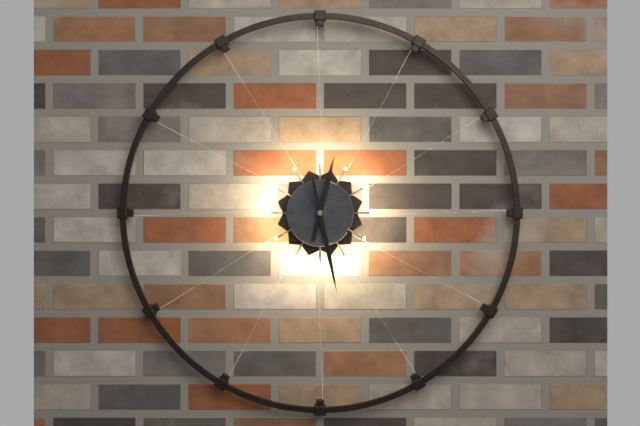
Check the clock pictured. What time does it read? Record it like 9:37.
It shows 12:28
